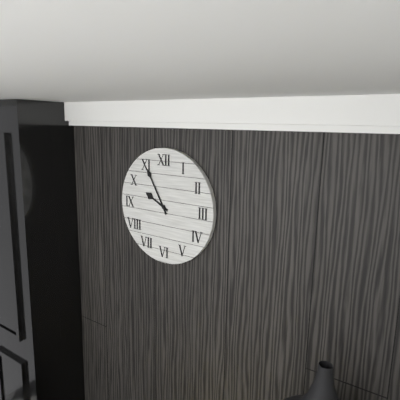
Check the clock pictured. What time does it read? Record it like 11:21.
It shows 9:55
